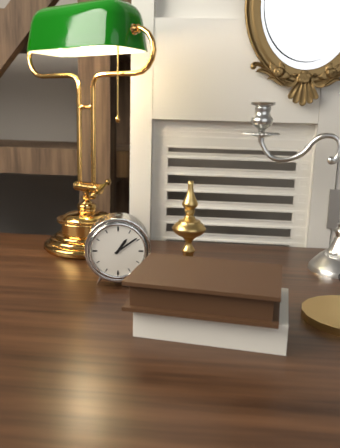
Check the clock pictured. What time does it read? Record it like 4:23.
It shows 1:09
